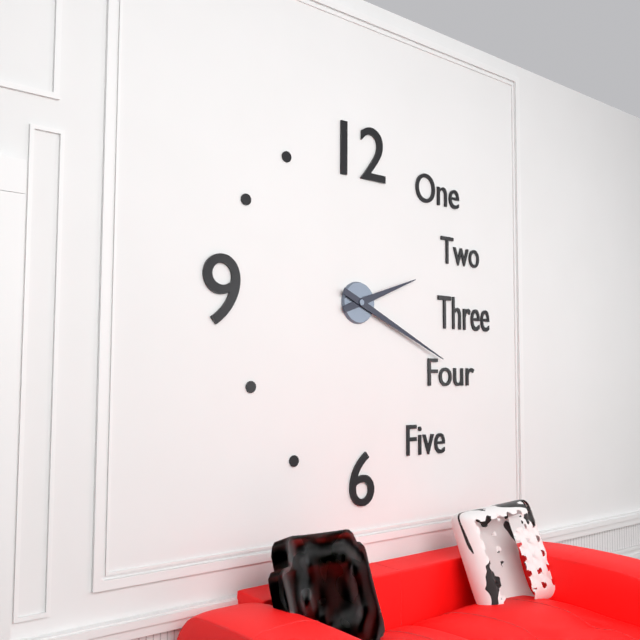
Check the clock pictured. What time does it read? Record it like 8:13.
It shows 2:19
